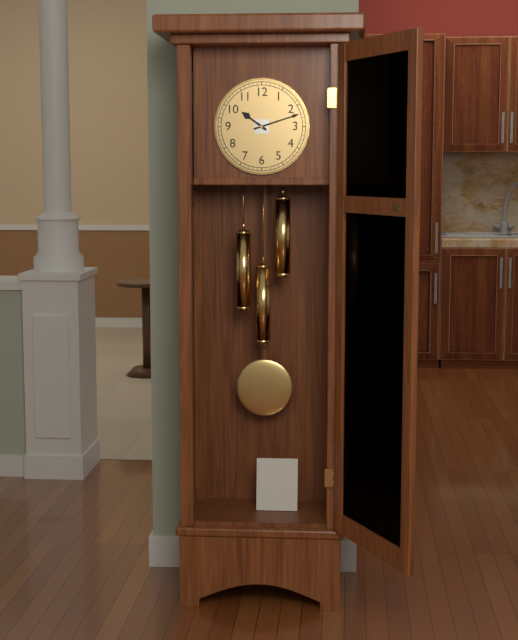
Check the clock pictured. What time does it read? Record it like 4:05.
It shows 10:12
